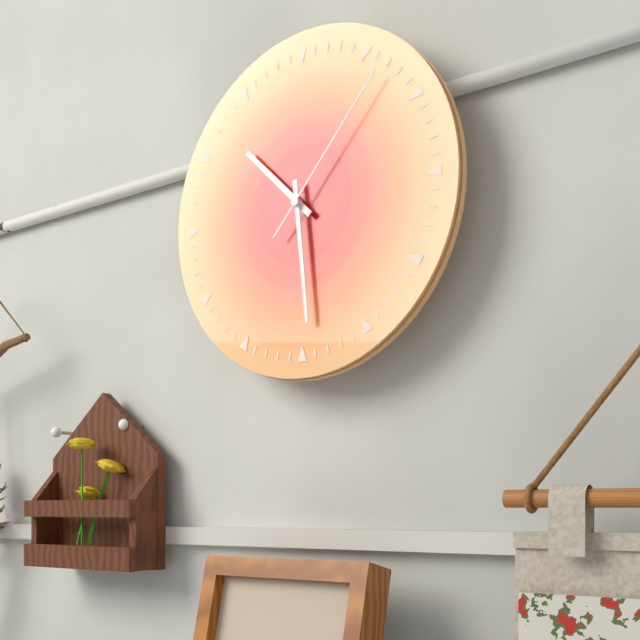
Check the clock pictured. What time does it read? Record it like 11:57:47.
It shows 10:29:07
